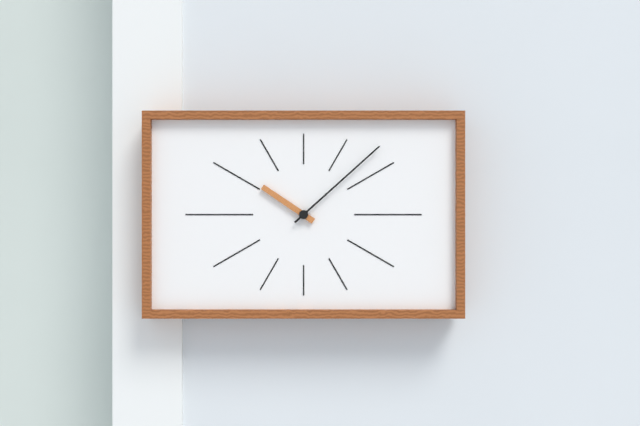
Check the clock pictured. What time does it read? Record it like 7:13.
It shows 10:08
